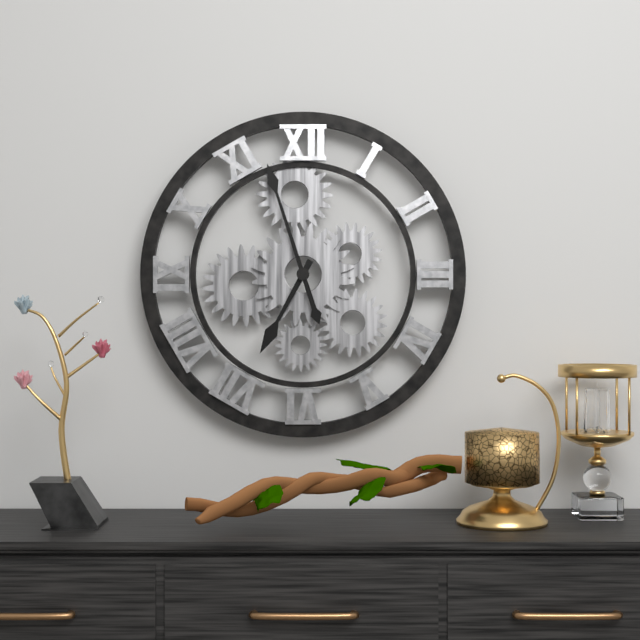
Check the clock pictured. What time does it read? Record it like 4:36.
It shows 6:57
